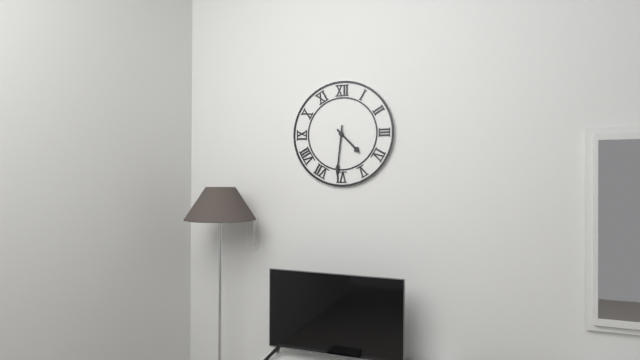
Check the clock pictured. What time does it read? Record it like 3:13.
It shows 4:31
